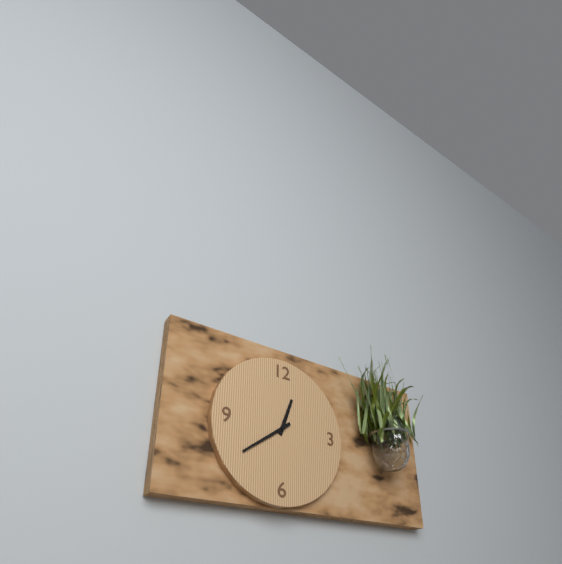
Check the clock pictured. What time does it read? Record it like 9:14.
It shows 12:39
